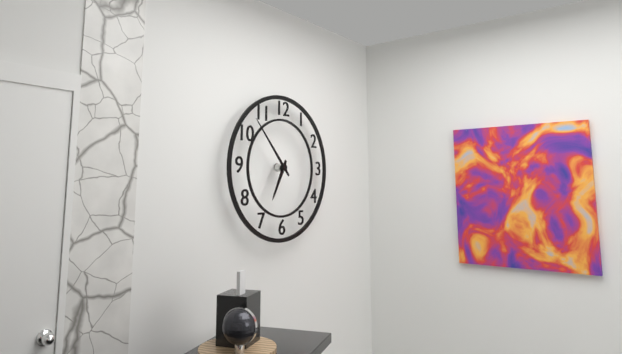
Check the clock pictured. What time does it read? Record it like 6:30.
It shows 6:53
